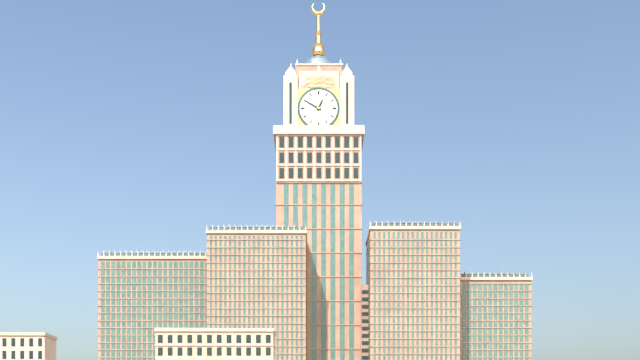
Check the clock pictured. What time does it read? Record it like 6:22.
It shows 12:50
